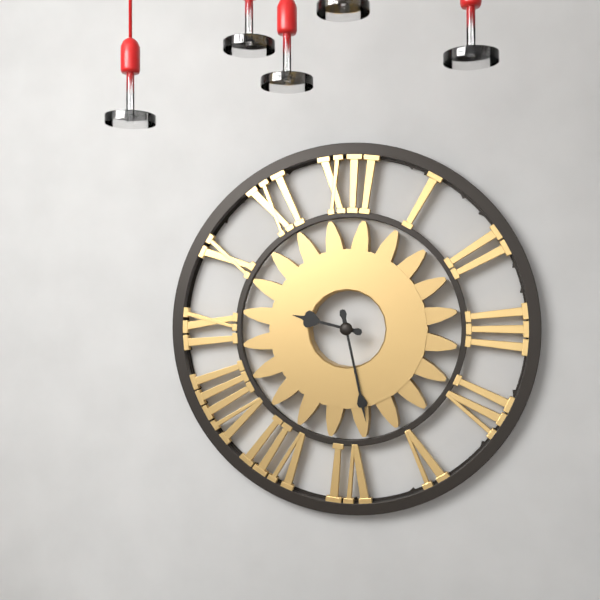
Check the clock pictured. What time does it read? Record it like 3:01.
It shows 9:28
